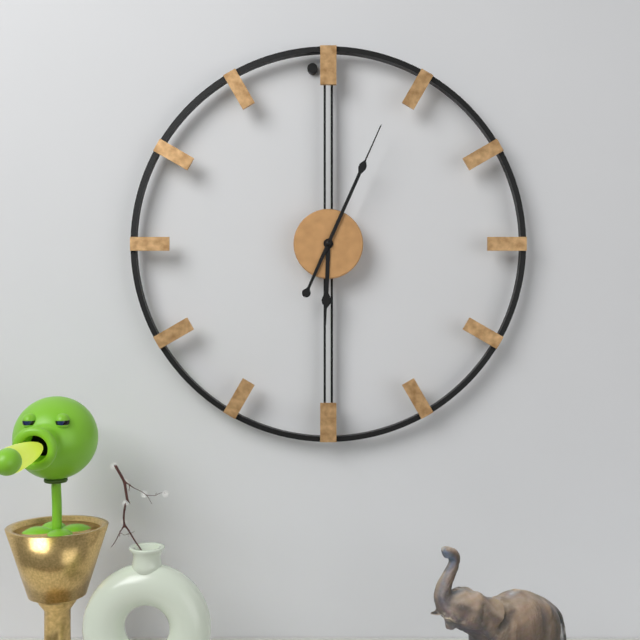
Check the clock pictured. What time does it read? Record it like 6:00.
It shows 6:04
